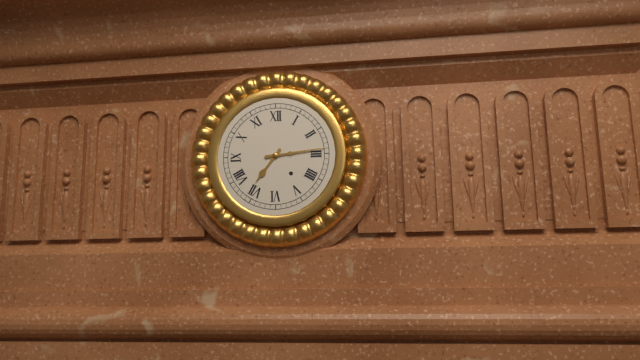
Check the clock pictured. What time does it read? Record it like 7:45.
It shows 7:14
